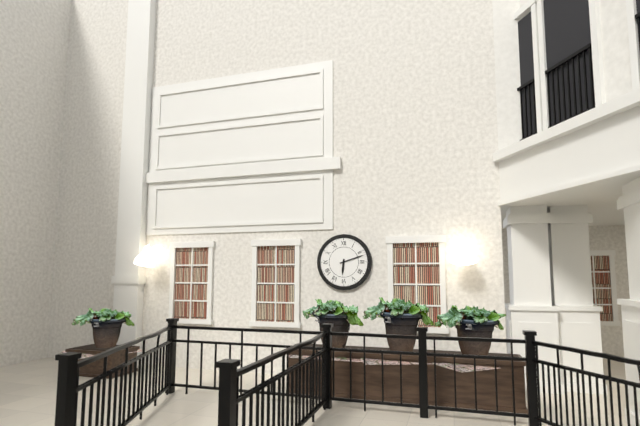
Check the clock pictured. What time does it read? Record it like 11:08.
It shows 6:12
